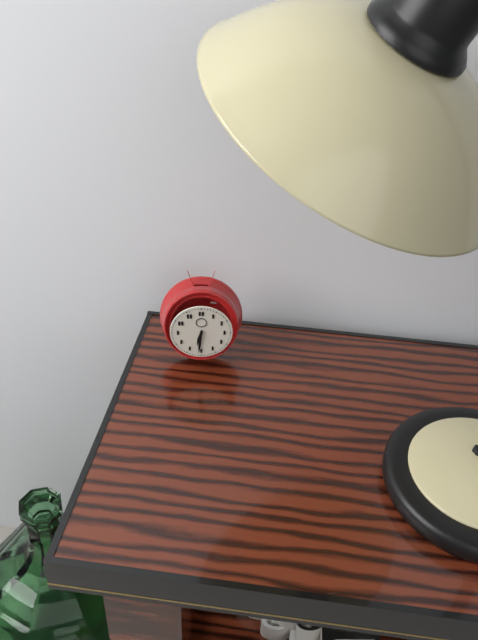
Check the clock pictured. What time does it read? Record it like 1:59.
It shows 6:31
